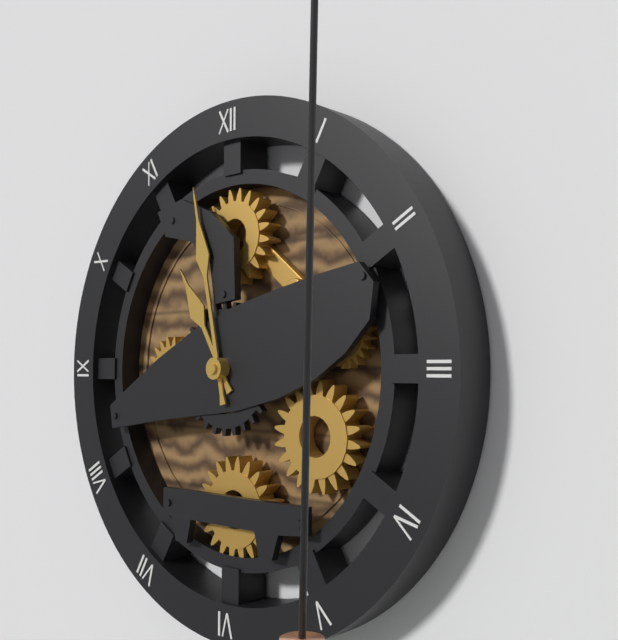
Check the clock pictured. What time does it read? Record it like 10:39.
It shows 10:58
